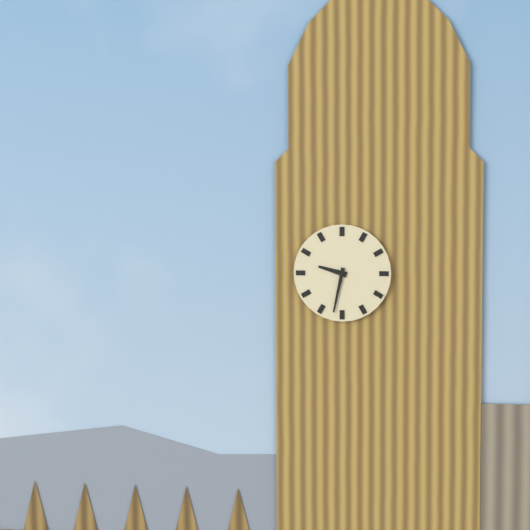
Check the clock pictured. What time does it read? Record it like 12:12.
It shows 9:32
